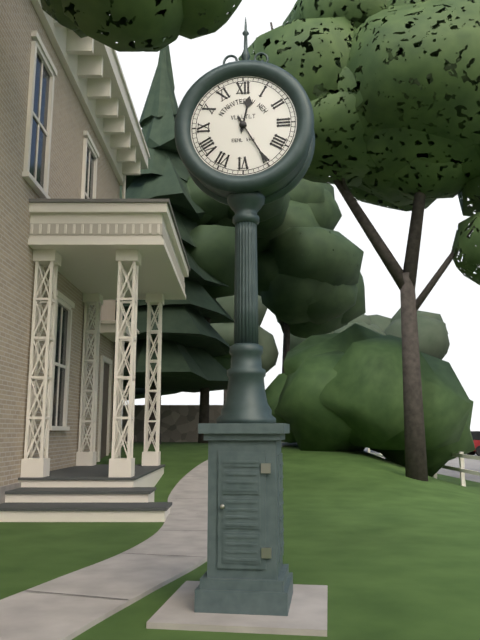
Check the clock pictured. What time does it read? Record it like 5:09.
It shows 12:25
